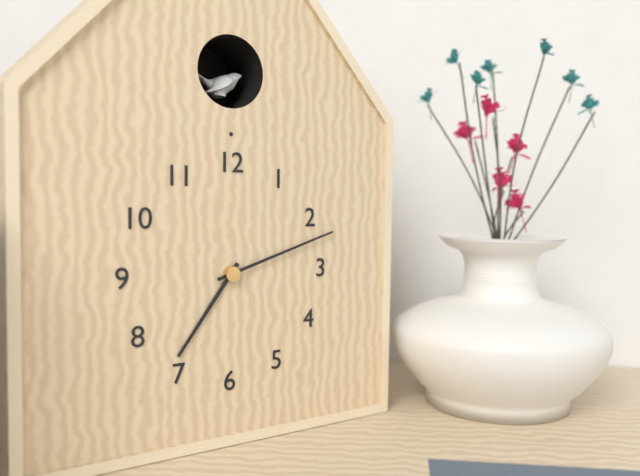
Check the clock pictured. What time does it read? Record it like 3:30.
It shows 7:12
